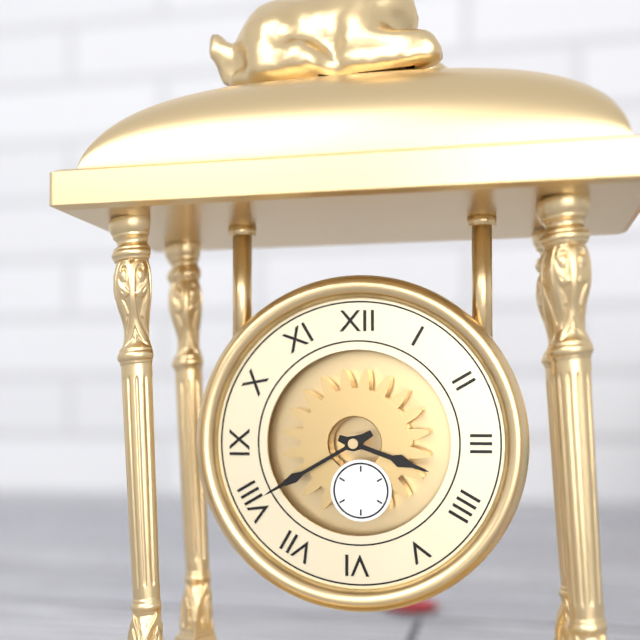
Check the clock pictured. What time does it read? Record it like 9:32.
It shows 3:40
